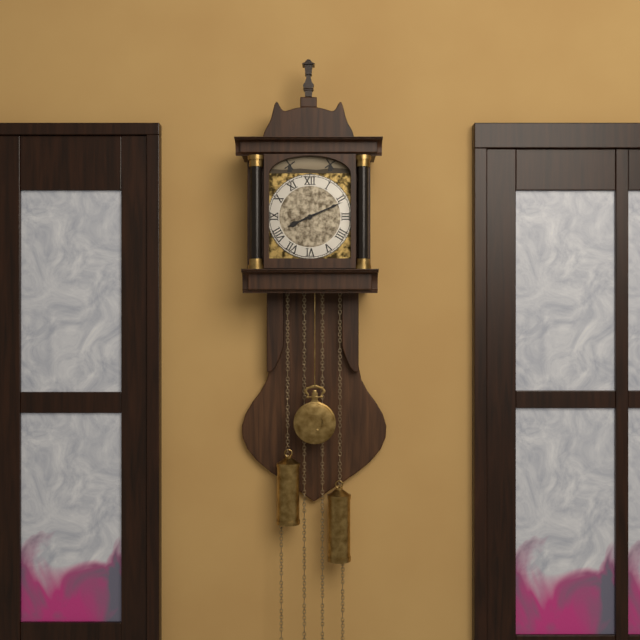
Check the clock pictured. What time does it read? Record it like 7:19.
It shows 8:11
